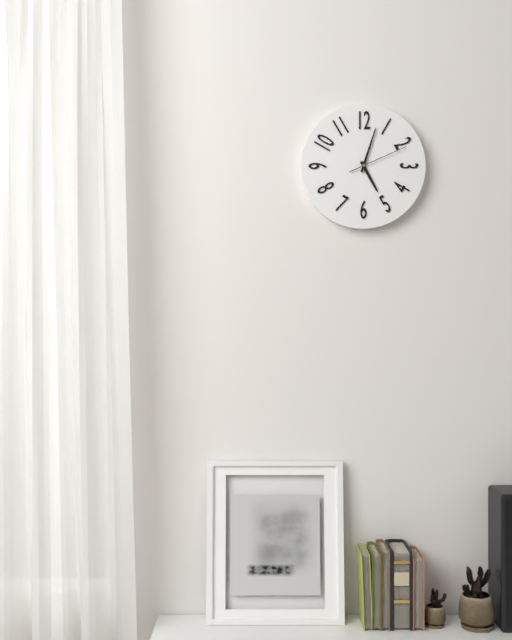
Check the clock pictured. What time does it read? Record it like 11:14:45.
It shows 5:03:11
